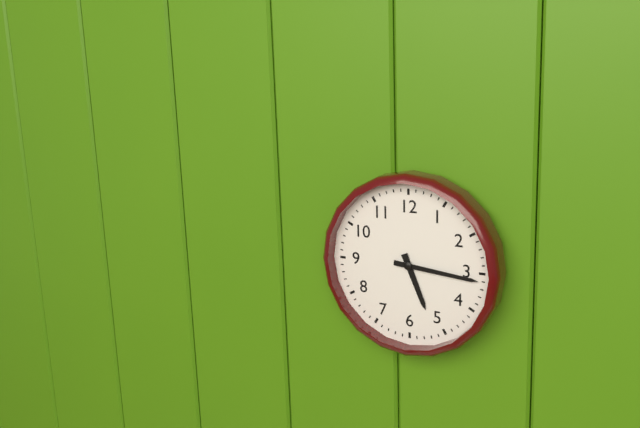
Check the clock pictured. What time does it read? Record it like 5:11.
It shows 5:16
